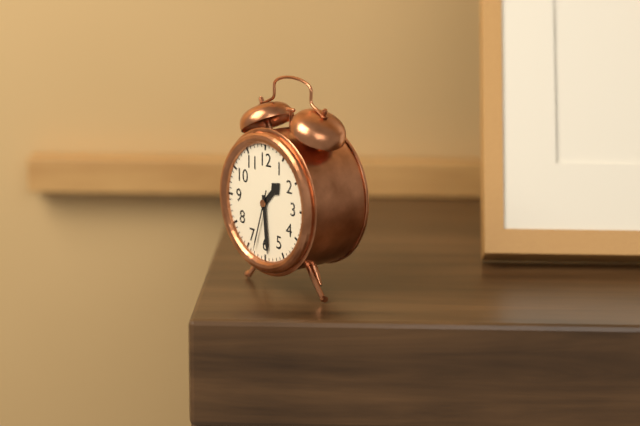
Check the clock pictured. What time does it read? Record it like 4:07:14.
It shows 1:29:33
